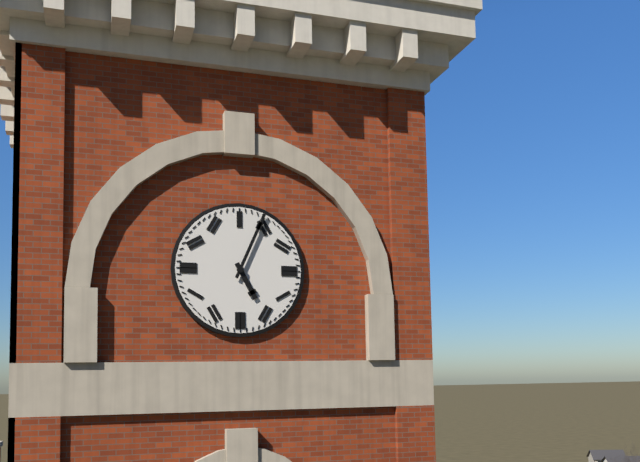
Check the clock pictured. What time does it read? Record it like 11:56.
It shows 5:04
